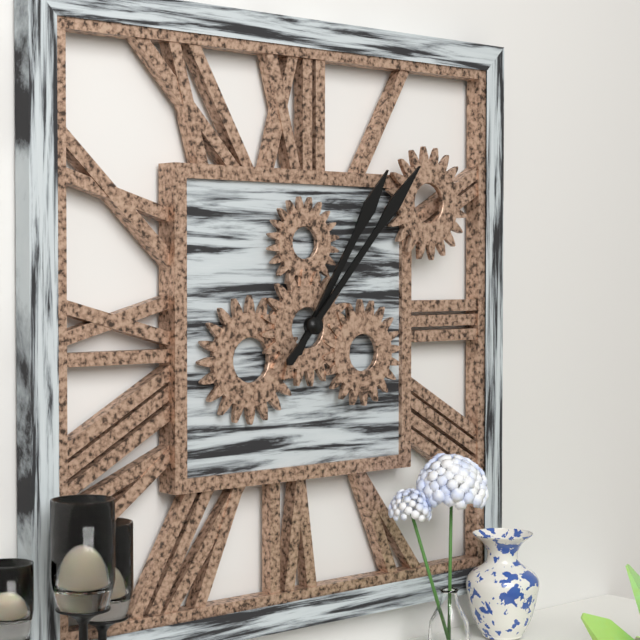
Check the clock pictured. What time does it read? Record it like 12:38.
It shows 1:07
